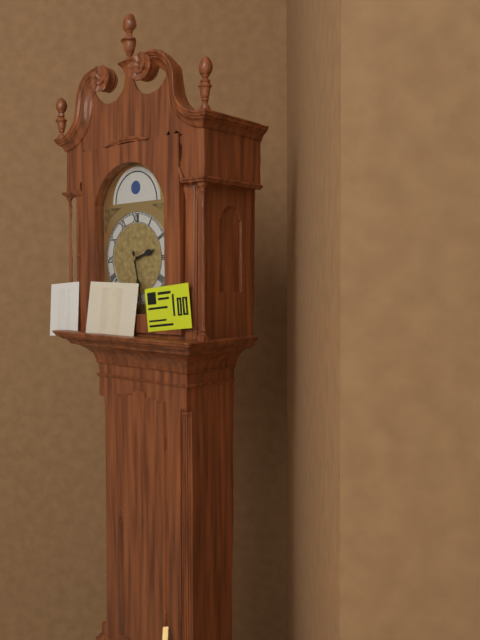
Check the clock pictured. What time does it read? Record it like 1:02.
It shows 2:28
